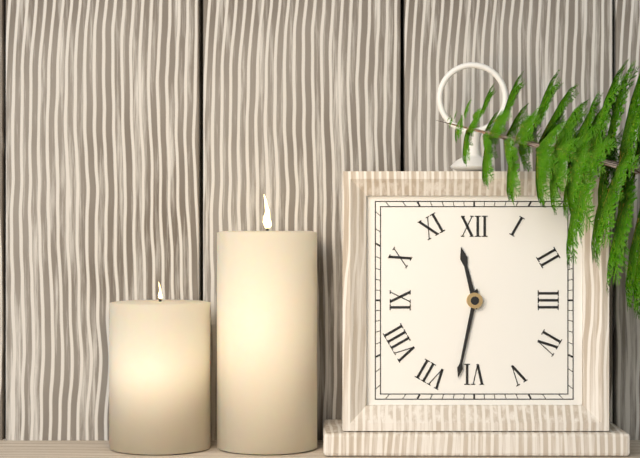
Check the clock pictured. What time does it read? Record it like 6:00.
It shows 11:32
